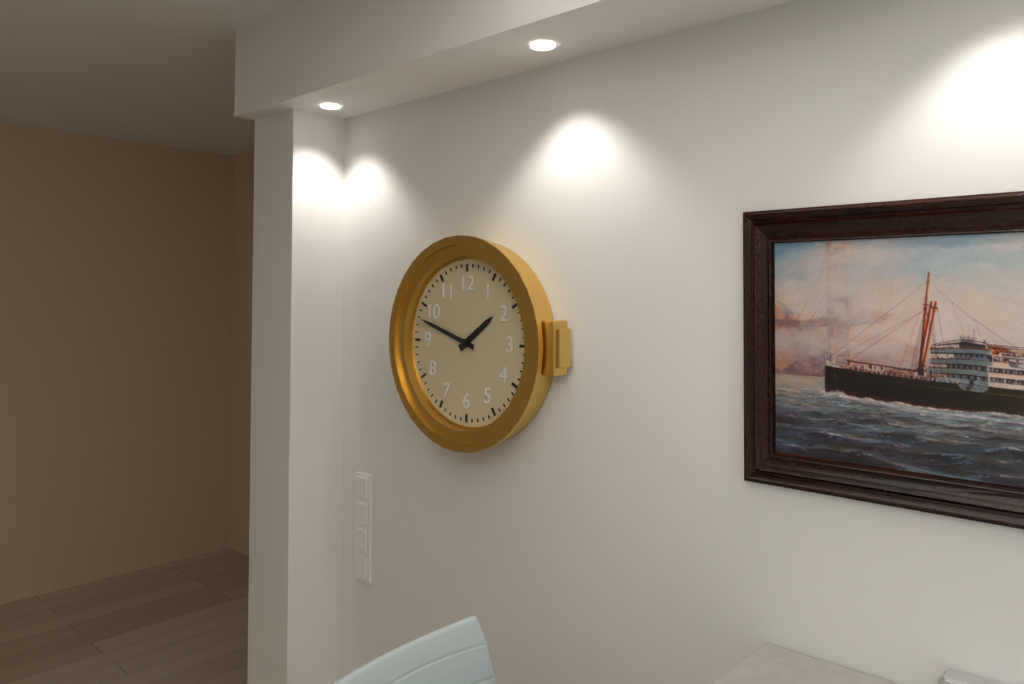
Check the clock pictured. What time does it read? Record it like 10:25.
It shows 1:48
